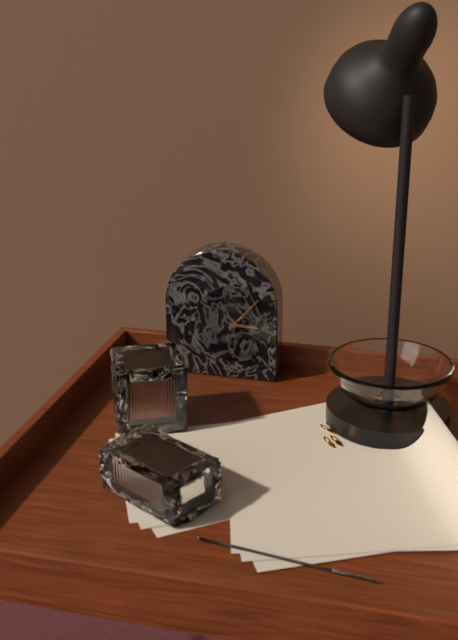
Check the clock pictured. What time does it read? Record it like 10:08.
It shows 3:07
